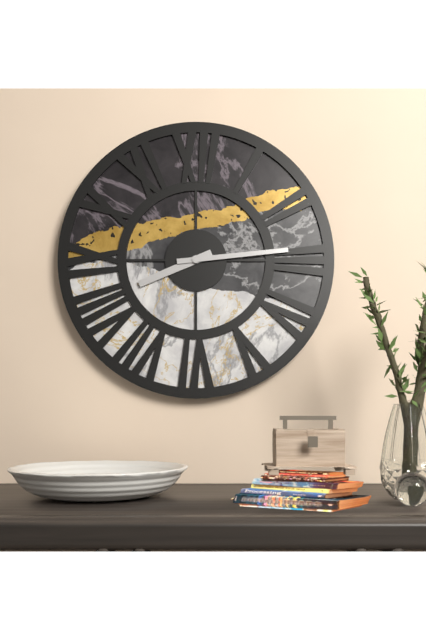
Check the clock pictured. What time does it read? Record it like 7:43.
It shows 8:14
